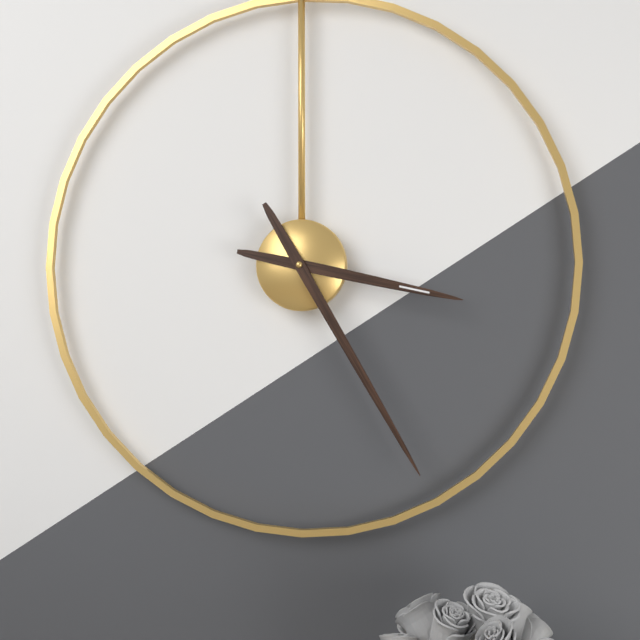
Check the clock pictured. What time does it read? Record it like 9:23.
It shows 3:25
